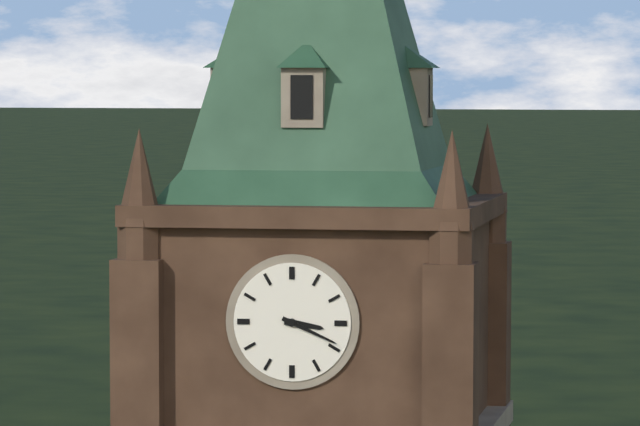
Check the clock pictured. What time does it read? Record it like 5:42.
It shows 3:19
